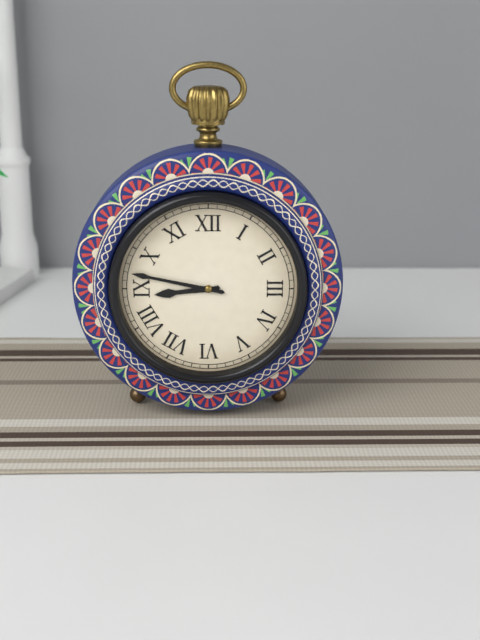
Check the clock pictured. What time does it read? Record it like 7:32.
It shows 8:47
